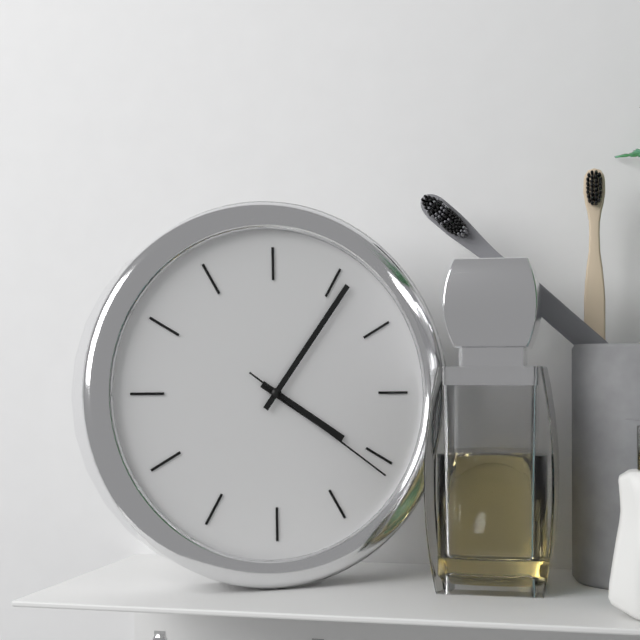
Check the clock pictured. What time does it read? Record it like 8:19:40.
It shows 4:06:21
